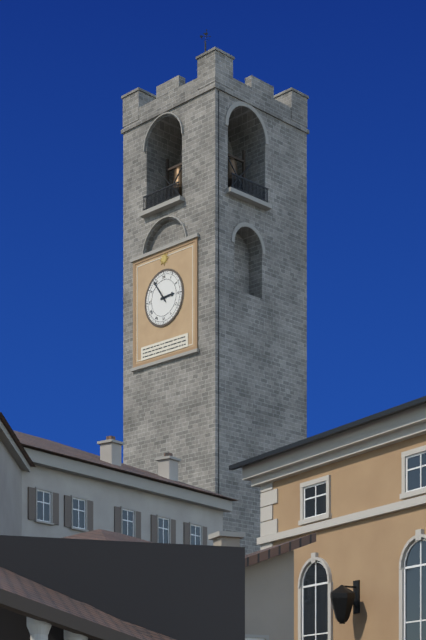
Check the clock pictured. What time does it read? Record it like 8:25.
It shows 2:54
